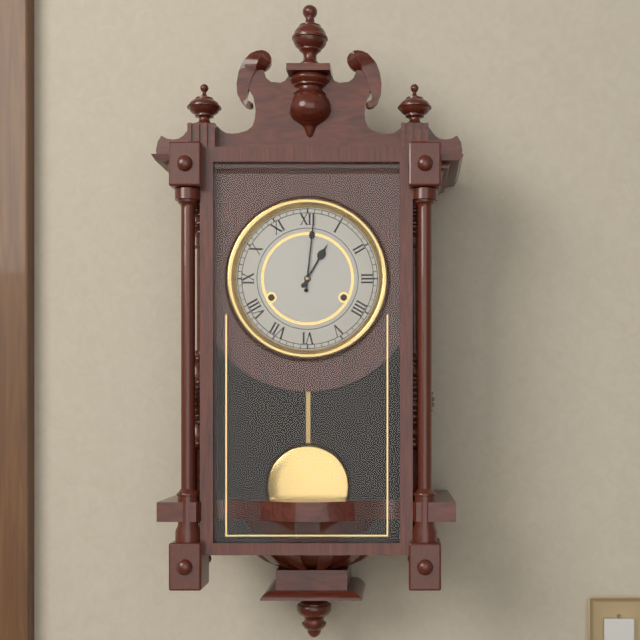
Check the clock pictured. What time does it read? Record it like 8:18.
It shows 1:01
